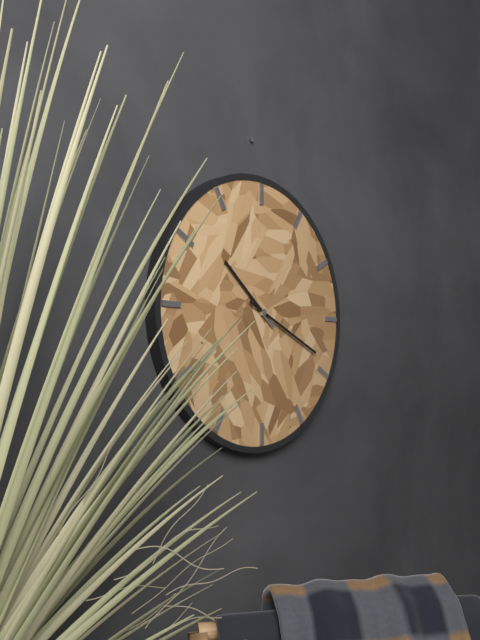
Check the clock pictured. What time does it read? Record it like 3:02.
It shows 10:19
